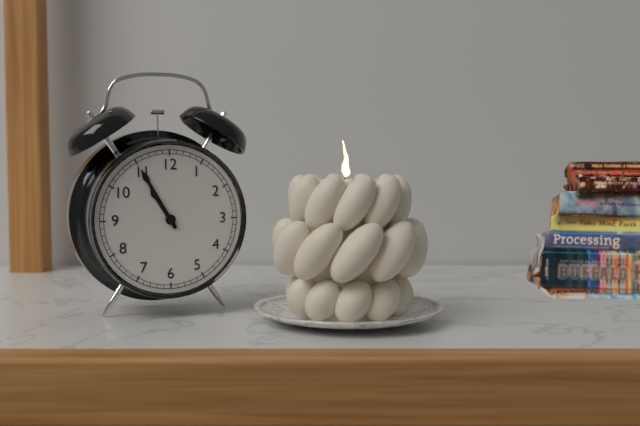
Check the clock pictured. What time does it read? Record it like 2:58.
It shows 10:55
